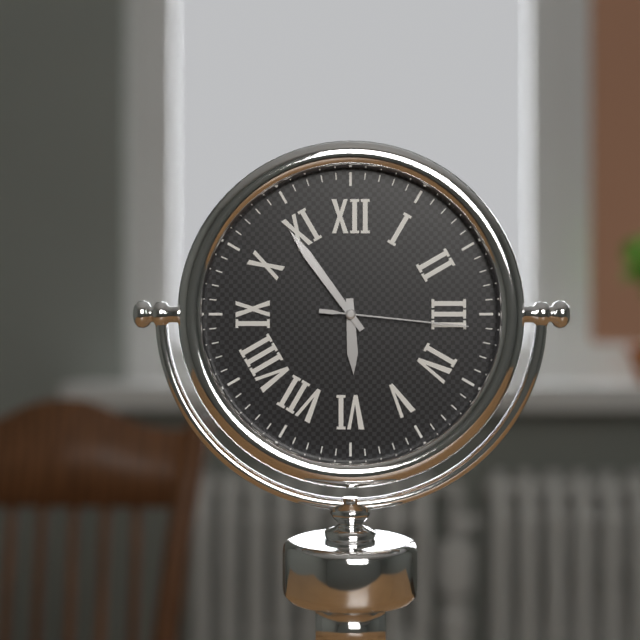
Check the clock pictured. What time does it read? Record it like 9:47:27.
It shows 5:54:16
